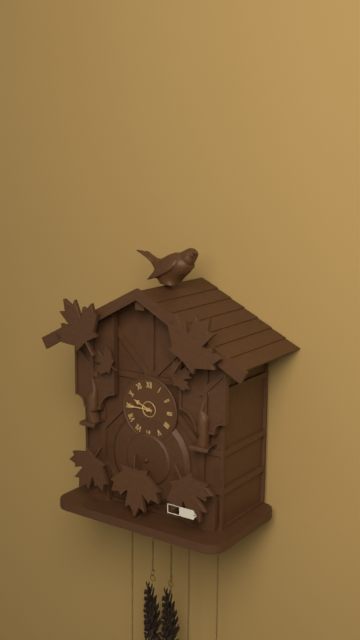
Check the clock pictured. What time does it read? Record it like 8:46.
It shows 9:45
